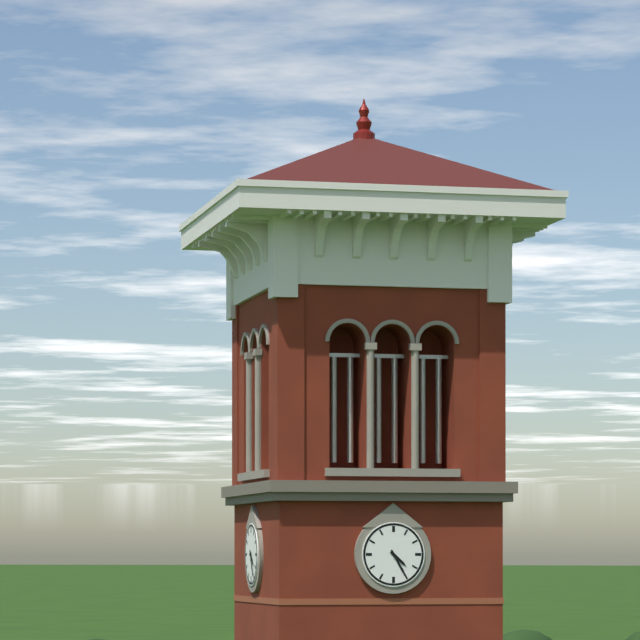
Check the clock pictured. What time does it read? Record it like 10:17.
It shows 4:25
